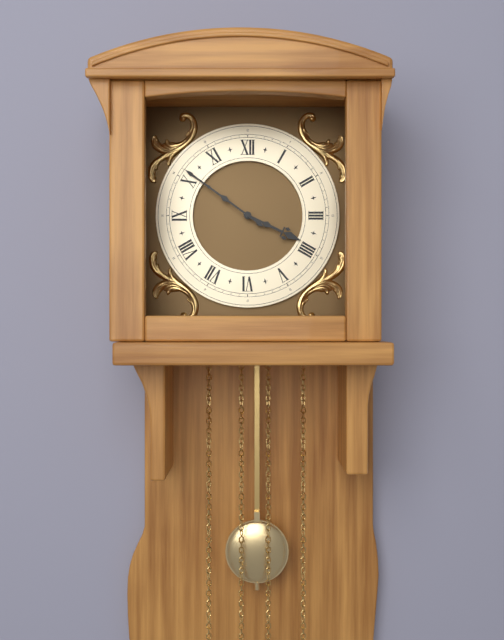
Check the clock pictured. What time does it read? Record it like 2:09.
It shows 3:51
